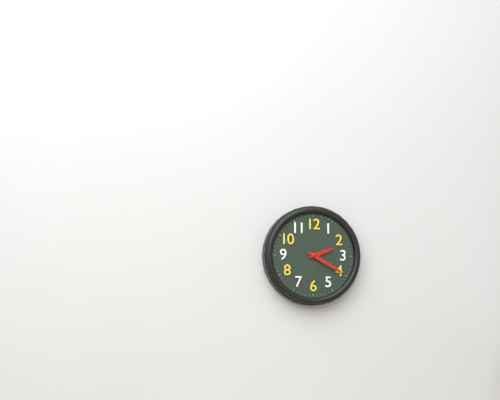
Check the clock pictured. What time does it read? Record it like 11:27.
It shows 2:20
